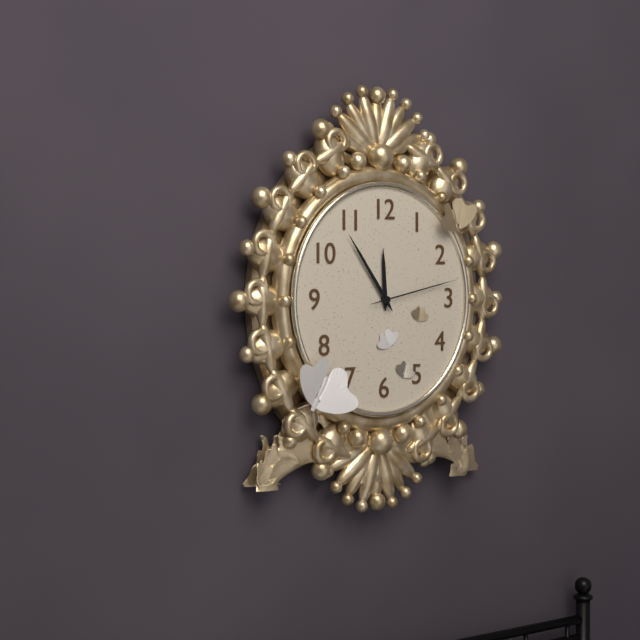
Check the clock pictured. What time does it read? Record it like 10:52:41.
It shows 11:54:13
